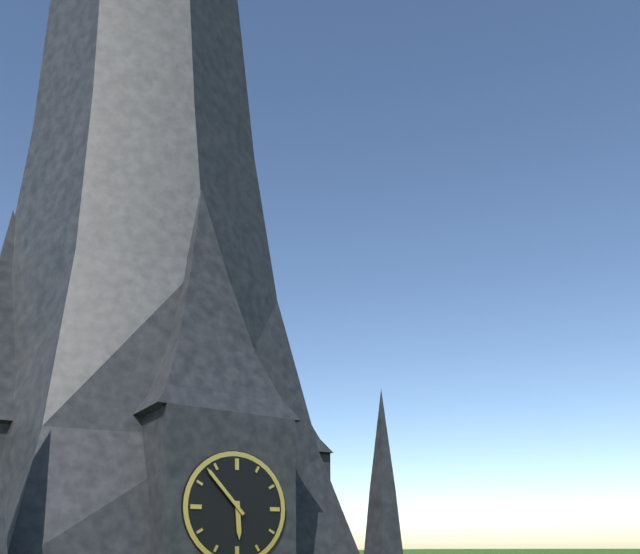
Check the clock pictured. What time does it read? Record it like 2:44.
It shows 5:53
